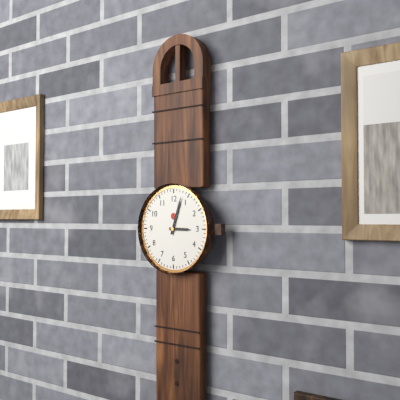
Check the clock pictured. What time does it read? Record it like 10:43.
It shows 3:03
